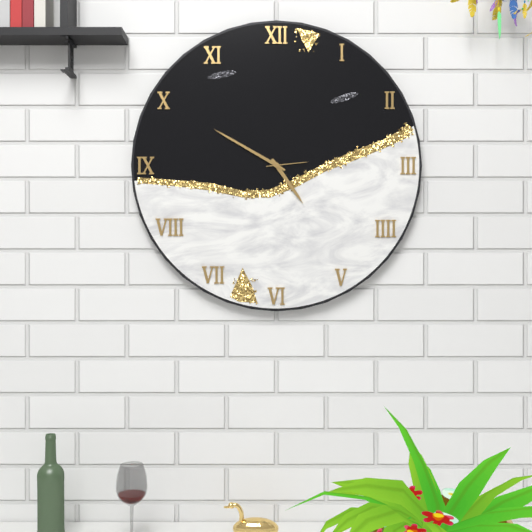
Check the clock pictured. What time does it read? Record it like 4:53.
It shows 4:50
